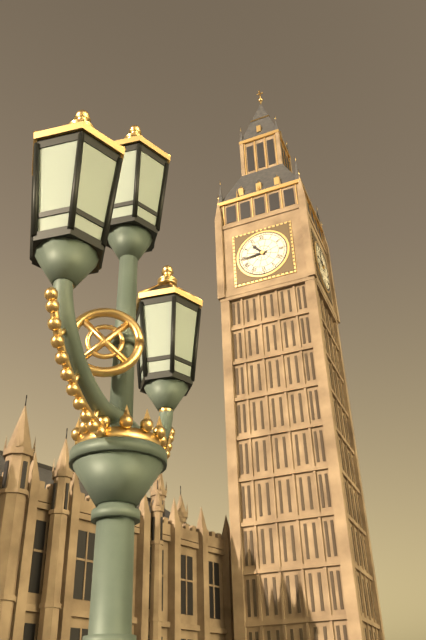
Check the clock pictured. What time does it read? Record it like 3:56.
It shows 10:44
